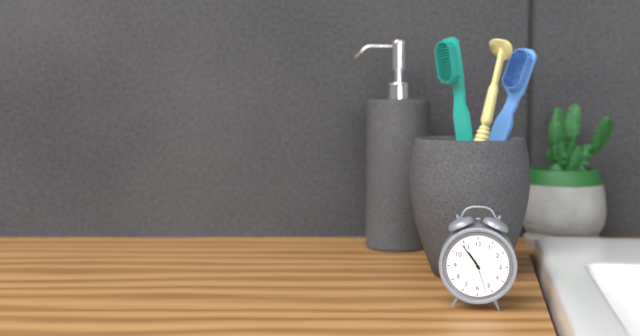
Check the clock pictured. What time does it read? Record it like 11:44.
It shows 10:54
